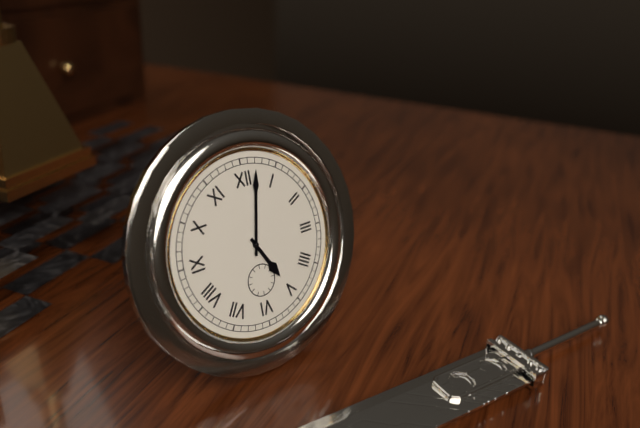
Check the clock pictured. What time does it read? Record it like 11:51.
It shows 5:02
